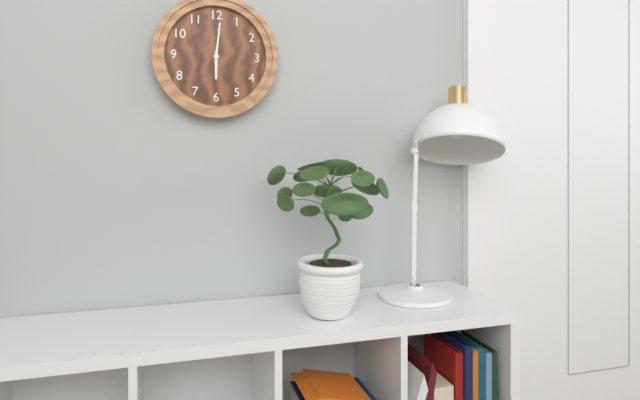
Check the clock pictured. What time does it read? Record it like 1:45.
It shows 6:01
